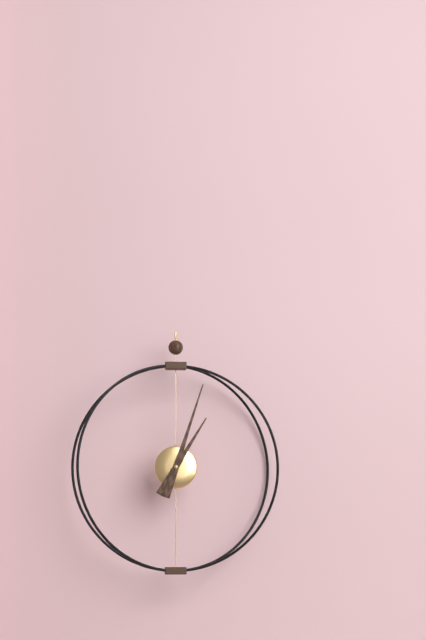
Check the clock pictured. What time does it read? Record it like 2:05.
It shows 1:03
